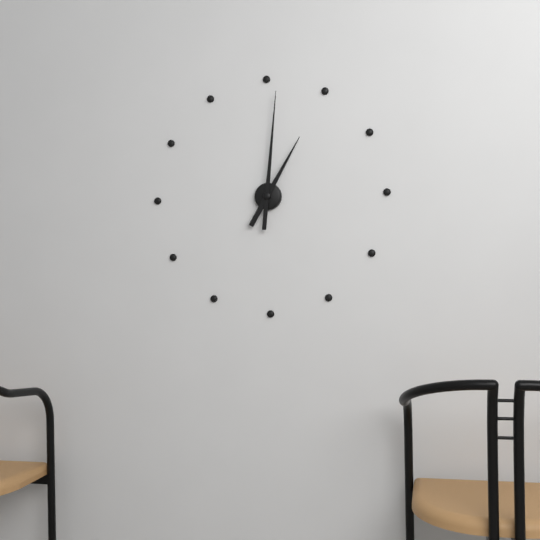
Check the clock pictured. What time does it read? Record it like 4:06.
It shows 1:01
